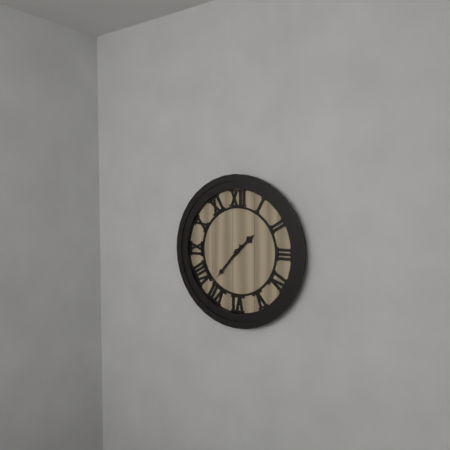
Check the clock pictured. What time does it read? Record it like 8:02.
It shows 1:37
